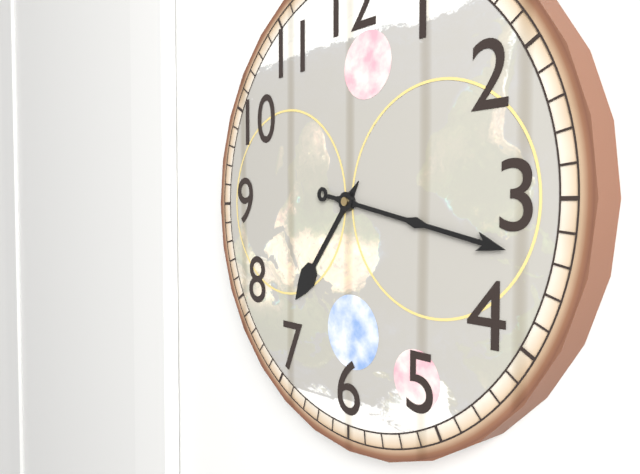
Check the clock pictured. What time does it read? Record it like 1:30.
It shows 7:17
